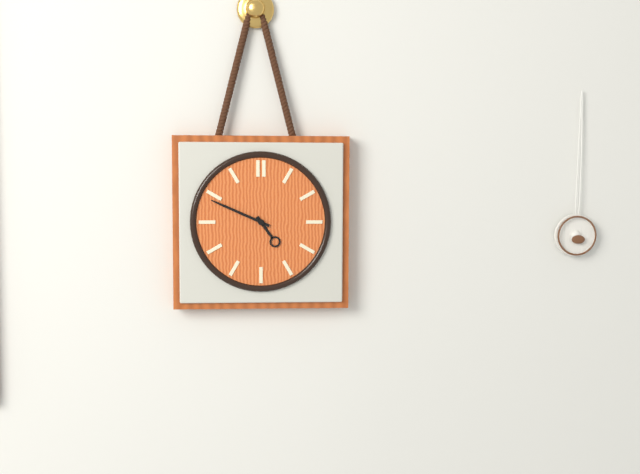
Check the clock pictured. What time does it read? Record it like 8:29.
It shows 4:49
